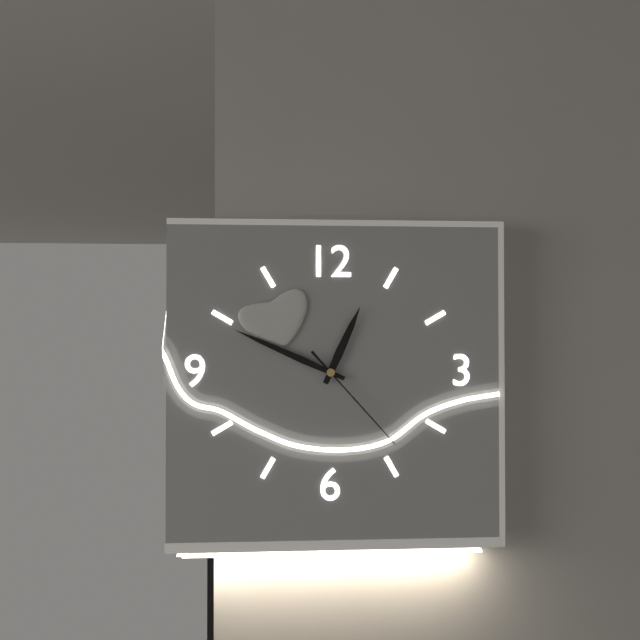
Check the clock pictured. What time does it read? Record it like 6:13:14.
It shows 12:49:23
